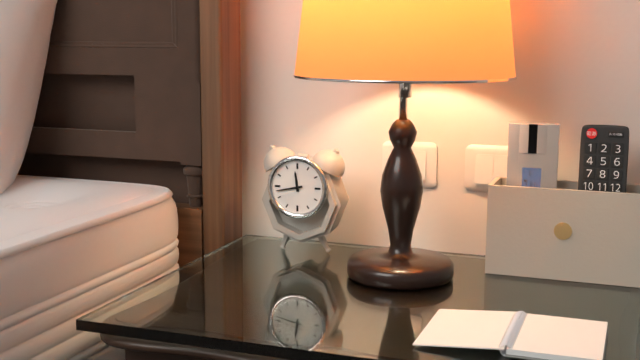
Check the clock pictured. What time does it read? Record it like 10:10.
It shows 11:43
